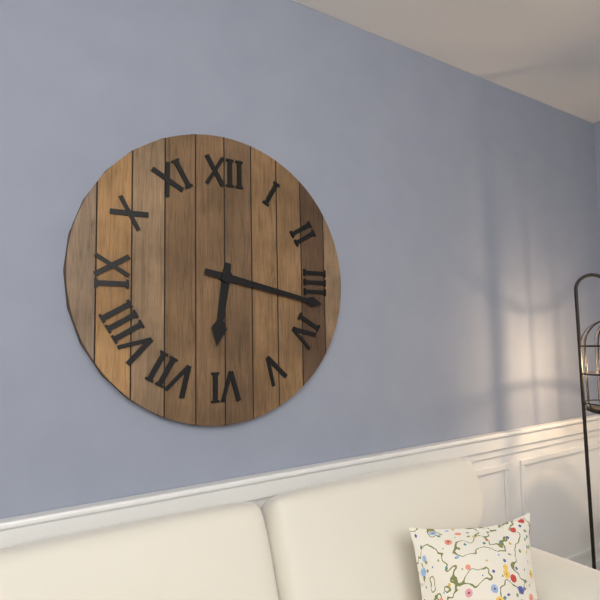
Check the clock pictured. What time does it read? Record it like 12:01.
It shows 6:17
